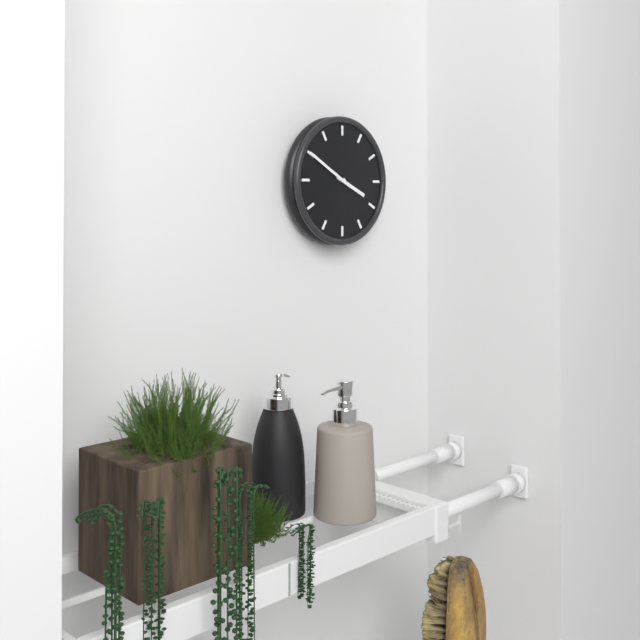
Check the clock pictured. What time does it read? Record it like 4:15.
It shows 3:50
